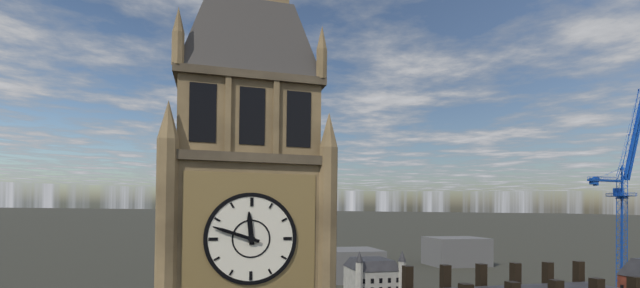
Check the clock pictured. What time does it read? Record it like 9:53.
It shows 11:48
